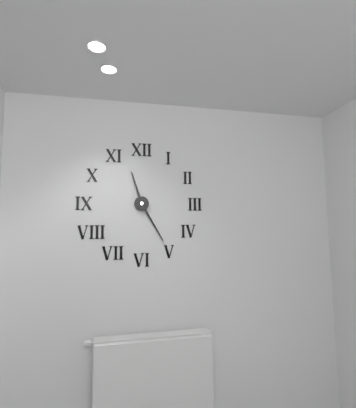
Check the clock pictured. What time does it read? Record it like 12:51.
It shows 11:25
